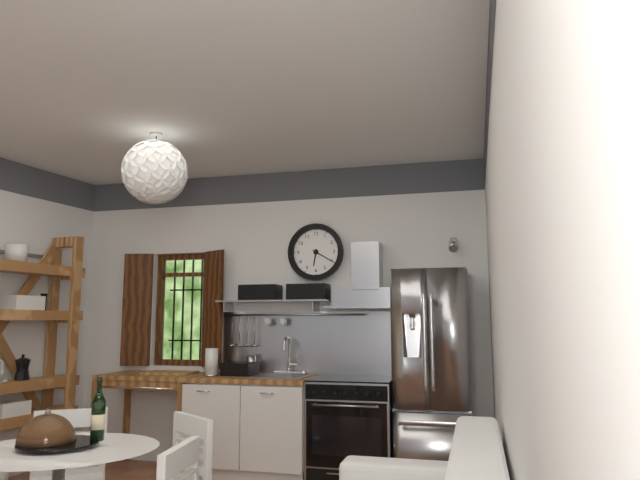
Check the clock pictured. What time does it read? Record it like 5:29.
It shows 6:20
